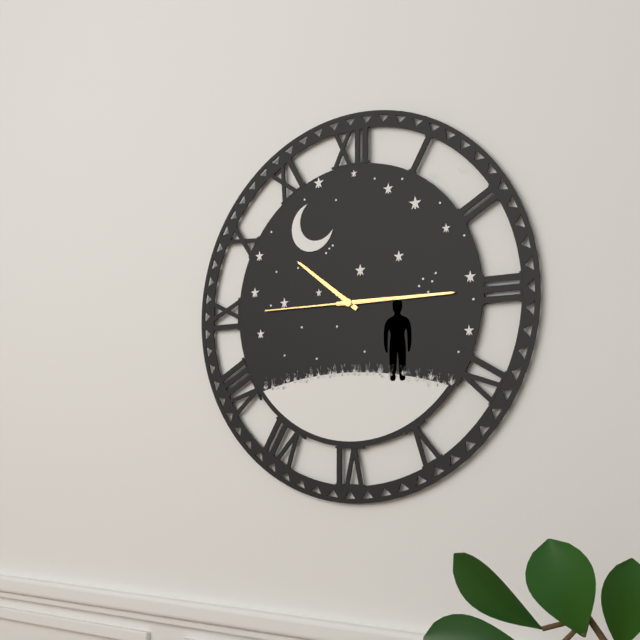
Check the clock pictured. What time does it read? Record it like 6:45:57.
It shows 10:15:45
